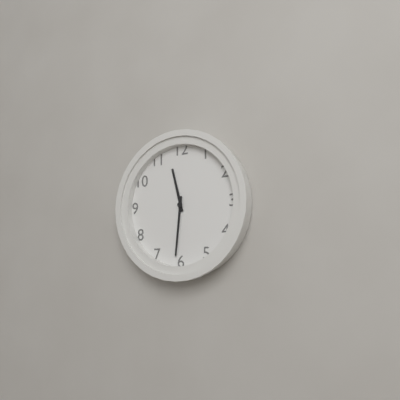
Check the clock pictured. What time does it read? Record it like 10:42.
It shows 11:31
